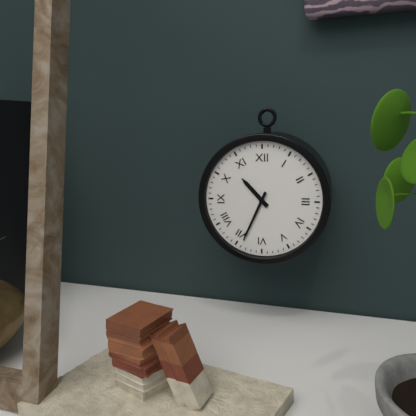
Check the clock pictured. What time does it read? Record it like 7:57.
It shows 10:34
